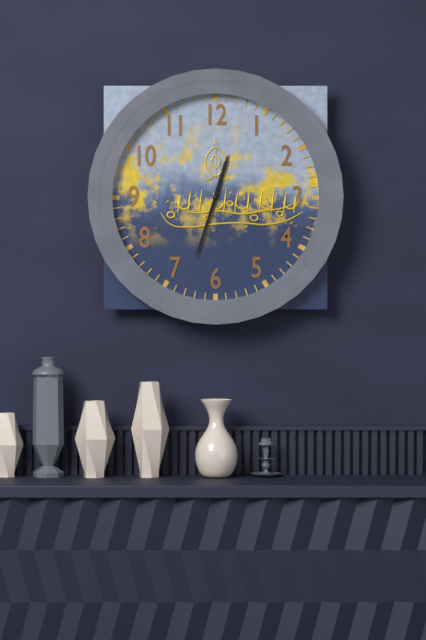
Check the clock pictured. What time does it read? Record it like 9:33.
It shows 12:33
